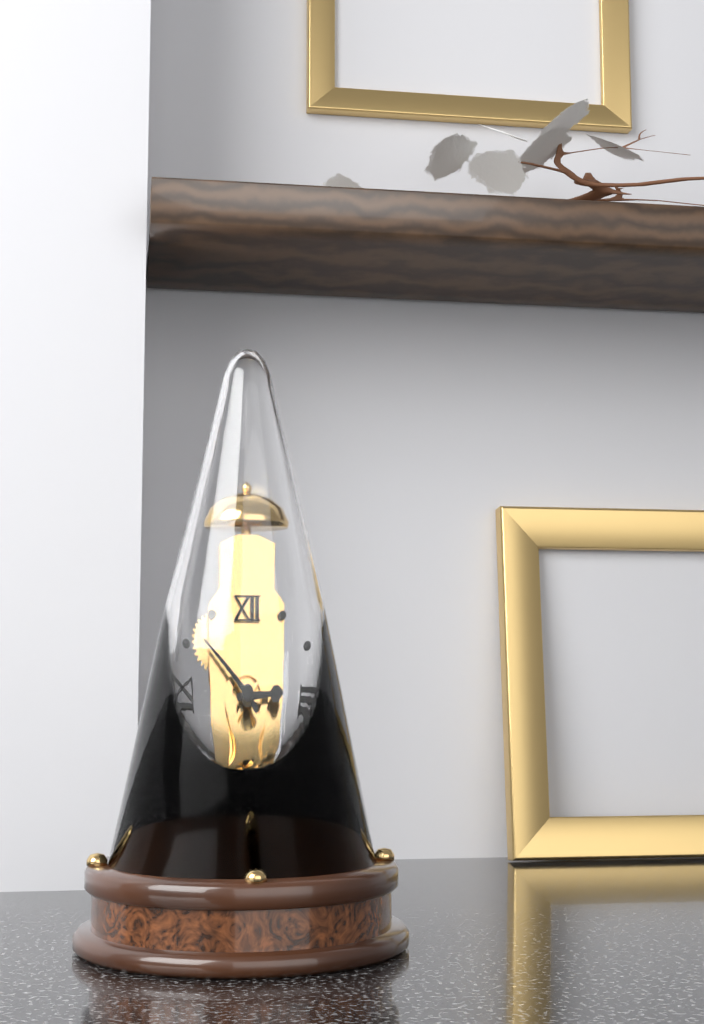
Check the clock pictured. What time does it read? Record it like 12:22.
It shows 2:52
